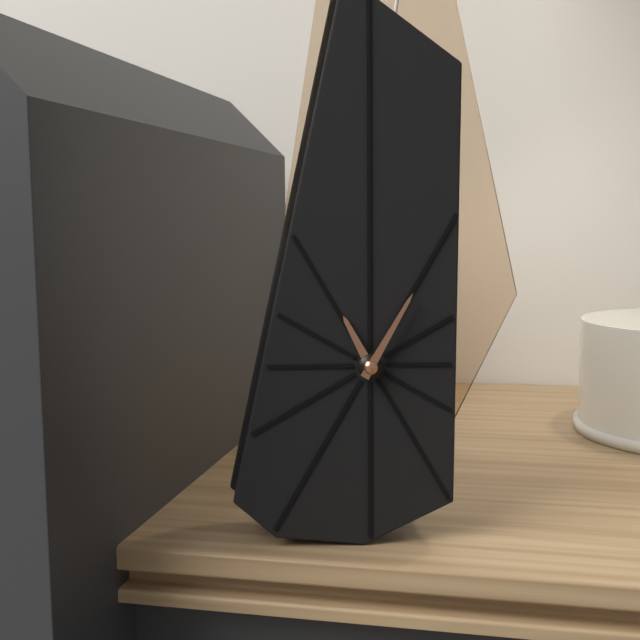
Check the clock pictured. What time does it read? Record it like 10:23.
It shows 11:05
